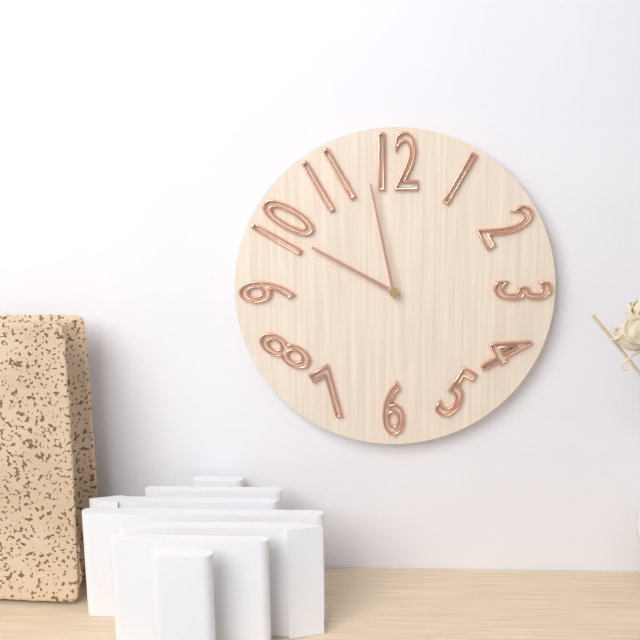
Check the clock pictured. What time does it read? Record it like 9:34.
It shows 9:58
